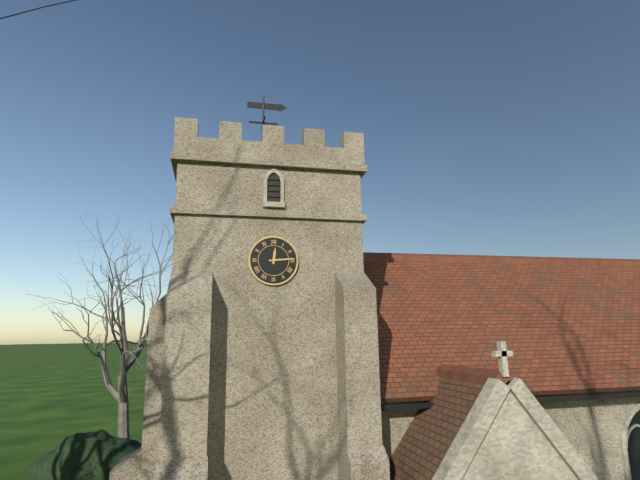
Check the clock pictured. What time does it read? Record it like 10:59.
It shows 12:14
